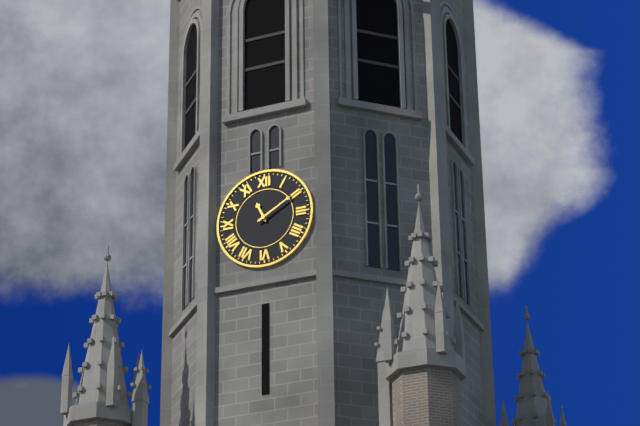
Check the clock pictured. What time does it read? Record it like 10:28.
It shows 11:10
